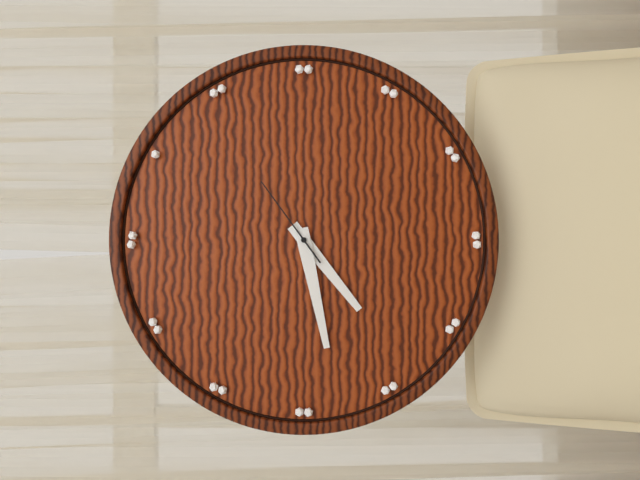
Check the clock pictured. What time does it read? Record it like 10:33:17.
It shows 7:43:09
